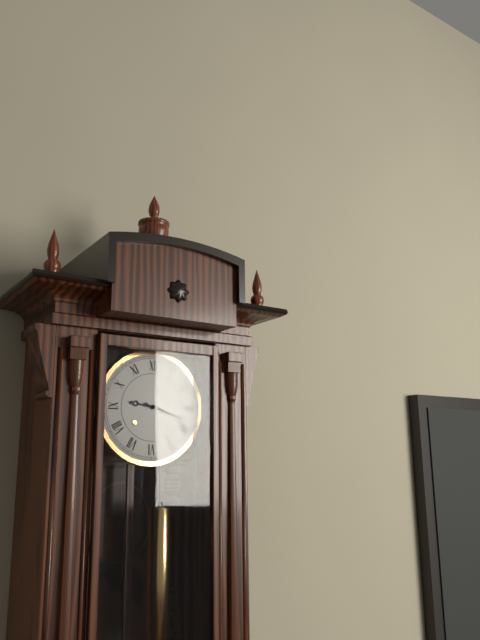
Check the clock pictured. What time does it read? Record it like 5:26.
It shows 9:18
